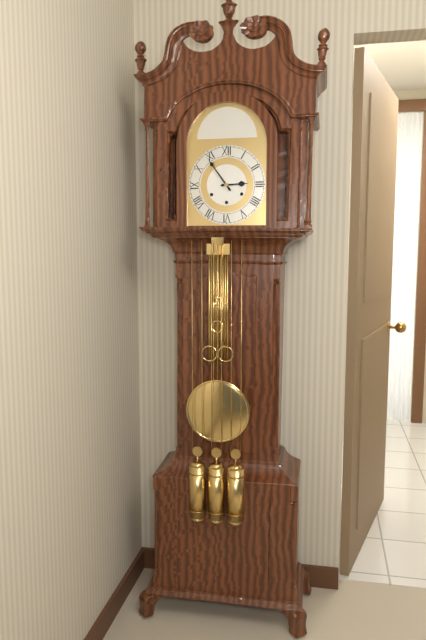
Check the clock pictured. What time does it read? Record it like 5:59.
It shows 2:54
